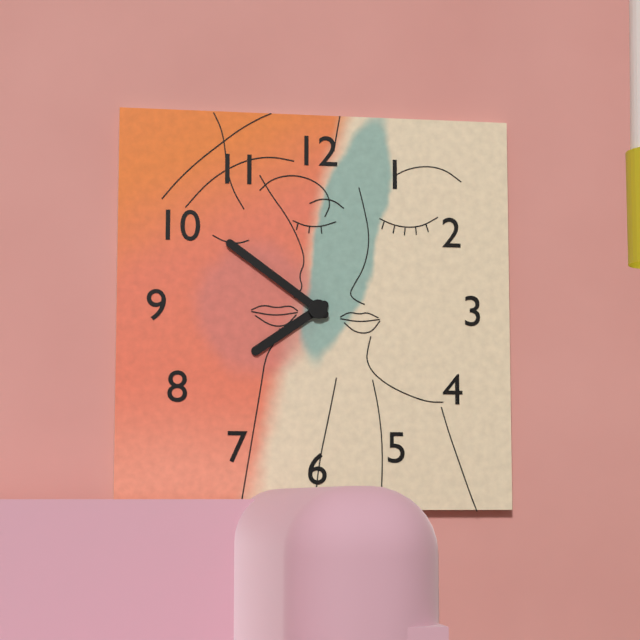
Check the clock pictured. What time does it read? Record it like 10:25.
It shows 7:51
